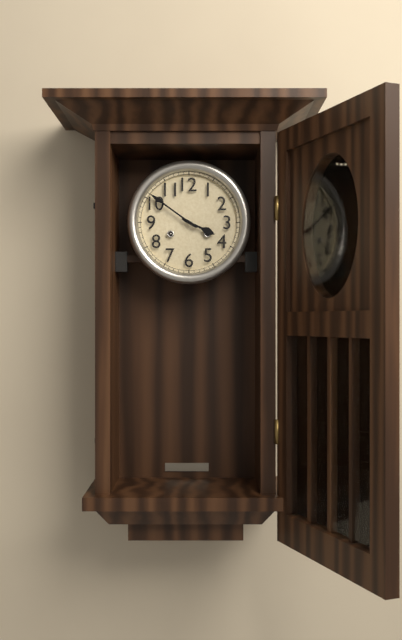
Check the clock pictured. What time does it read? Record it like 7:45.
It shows 3:51
